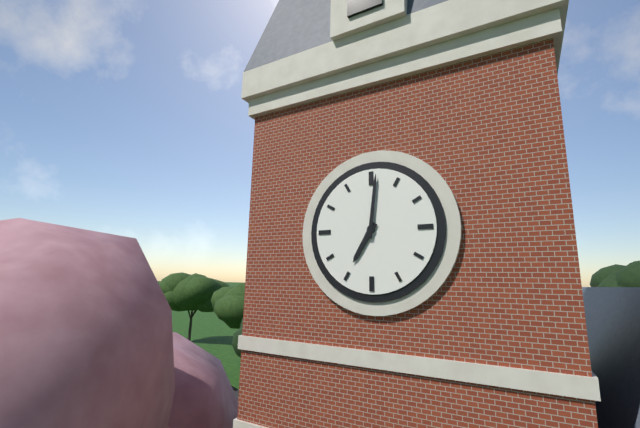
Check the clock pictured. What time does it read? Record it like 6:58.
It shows 7:01
